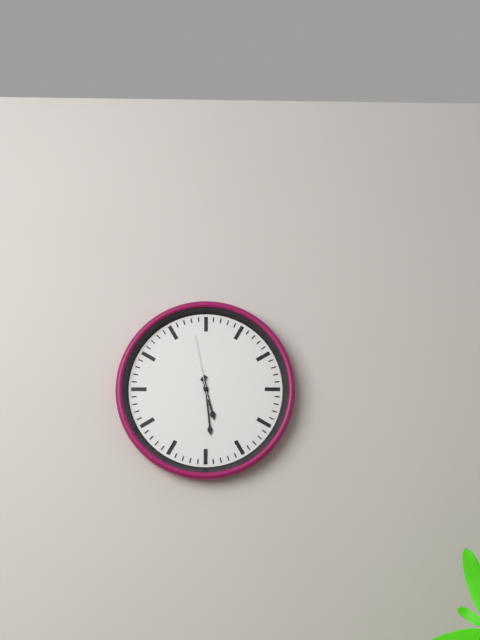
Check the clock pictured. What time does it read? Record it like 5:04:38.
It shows 5:29:58
